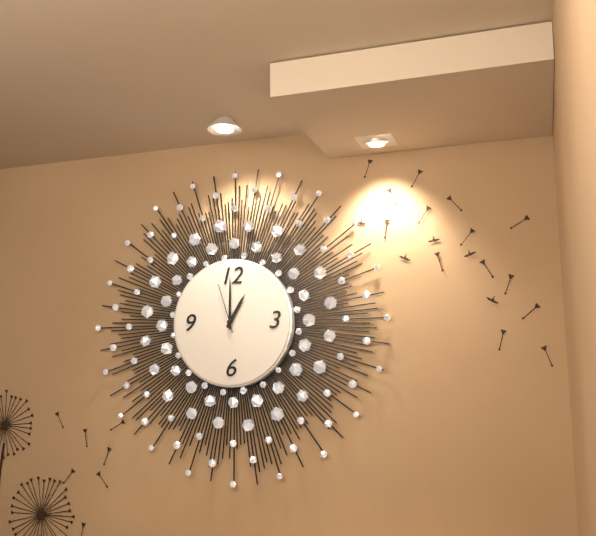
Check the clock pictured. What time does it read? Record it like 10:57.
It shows 1:00
